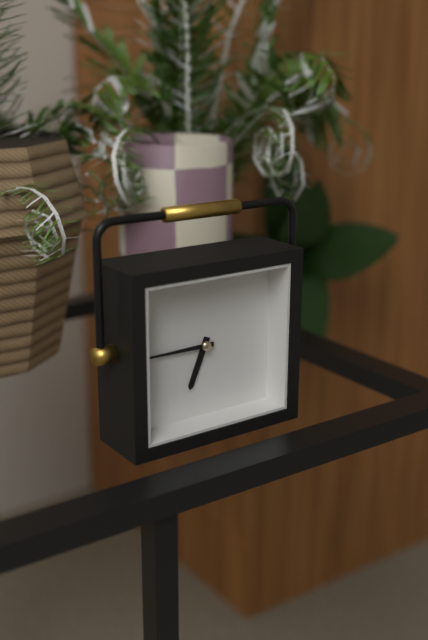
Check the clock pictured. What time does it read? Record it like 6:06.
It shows 6:45
